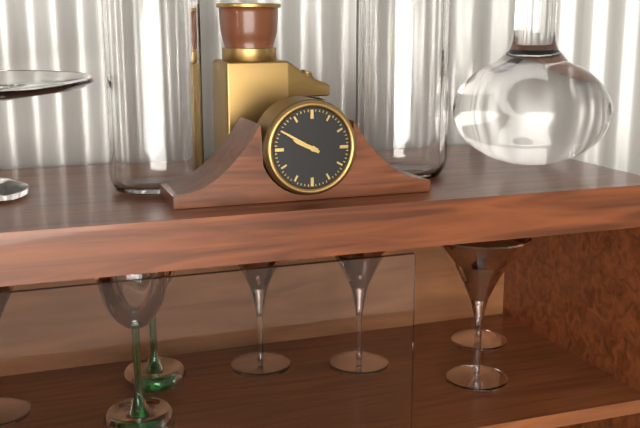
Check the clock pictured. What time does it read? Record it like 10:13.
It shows 9:50
